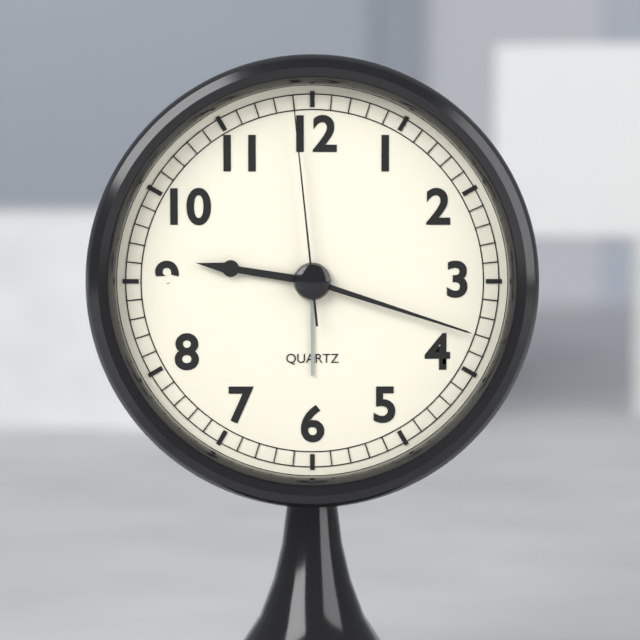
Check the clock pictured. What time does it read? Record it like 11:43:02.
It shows 9:18:59
